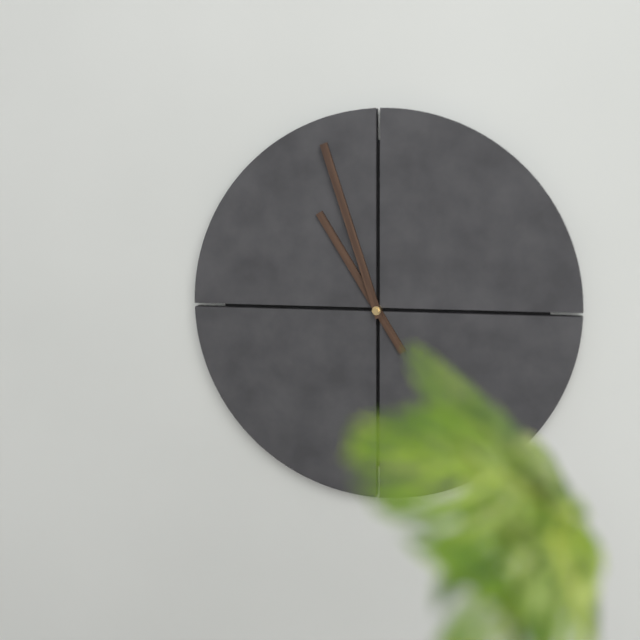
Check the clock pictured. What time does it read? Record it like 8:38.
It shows 10:57
